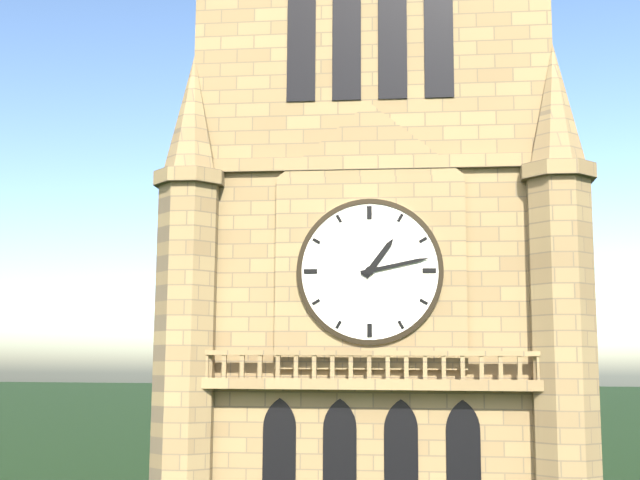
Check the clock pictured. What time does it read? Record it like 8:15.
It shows 1:13
